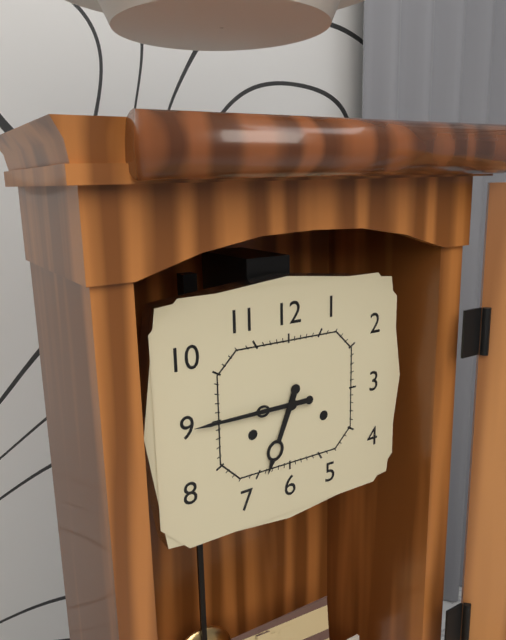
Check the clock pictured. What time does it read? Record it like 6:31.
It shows 6:45
